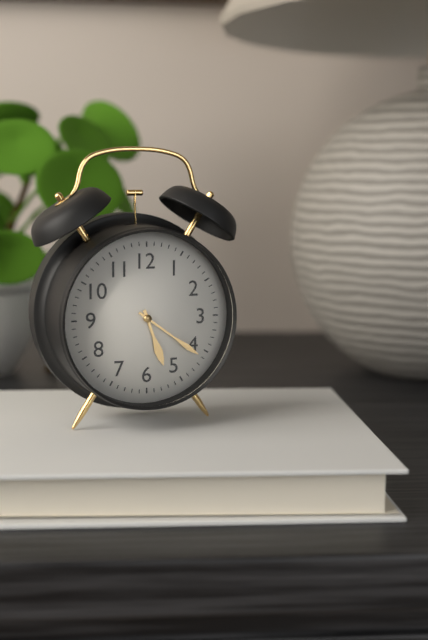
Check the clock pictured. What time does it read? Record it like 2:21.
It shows 5:21
